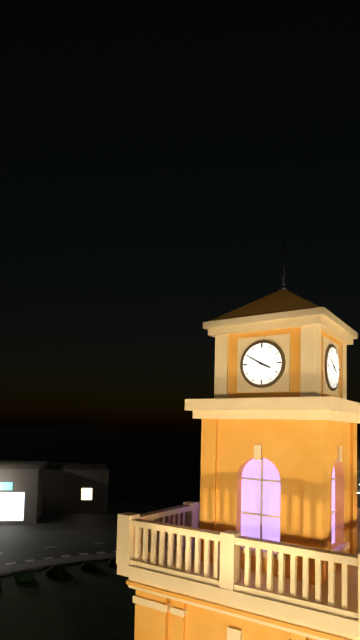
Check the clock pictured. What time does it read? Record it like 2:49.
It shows 3:50
